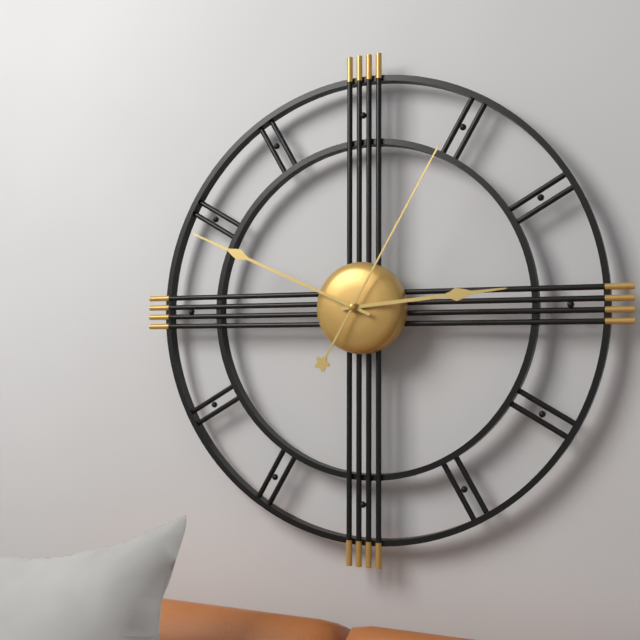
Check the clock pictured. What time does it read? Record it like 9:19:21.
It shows 2:49:05
